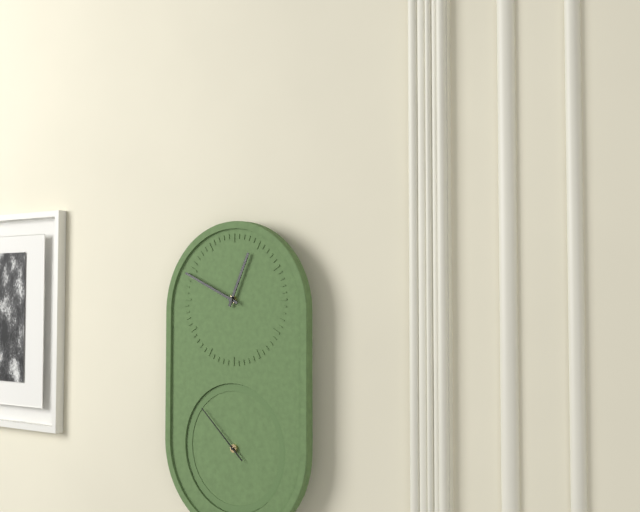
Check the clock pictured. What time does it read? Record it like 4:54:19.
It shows 12:49:52
